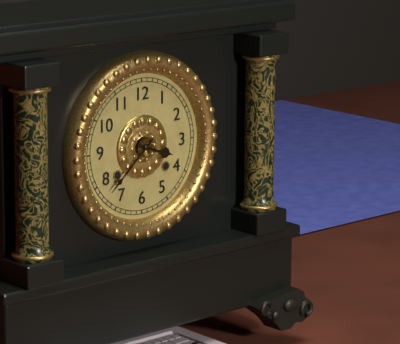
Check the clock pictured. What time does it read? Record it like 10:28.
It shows 3:38
